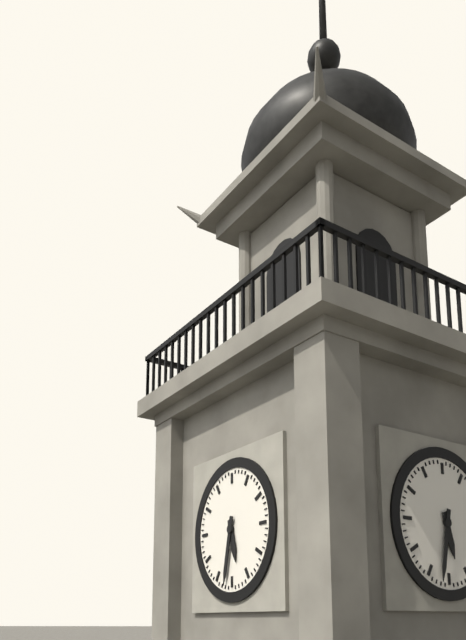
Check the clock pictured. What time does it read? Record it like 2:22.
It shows 5:32
